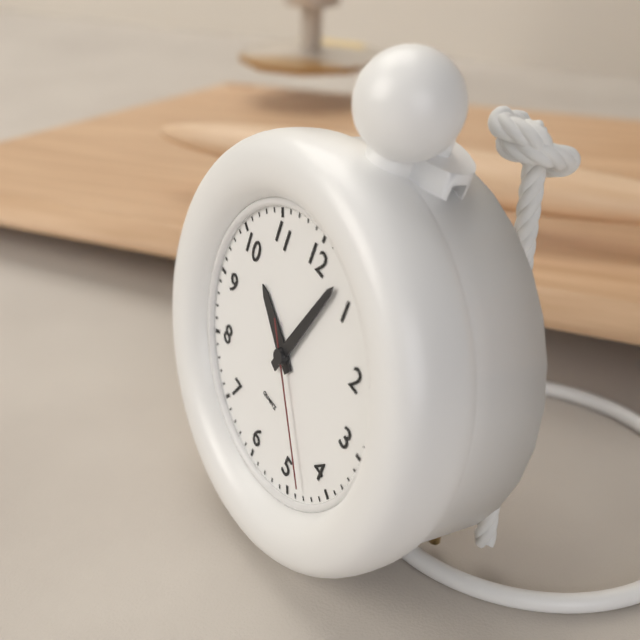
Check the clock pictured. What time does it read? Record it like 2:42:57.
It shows 10:03:23
